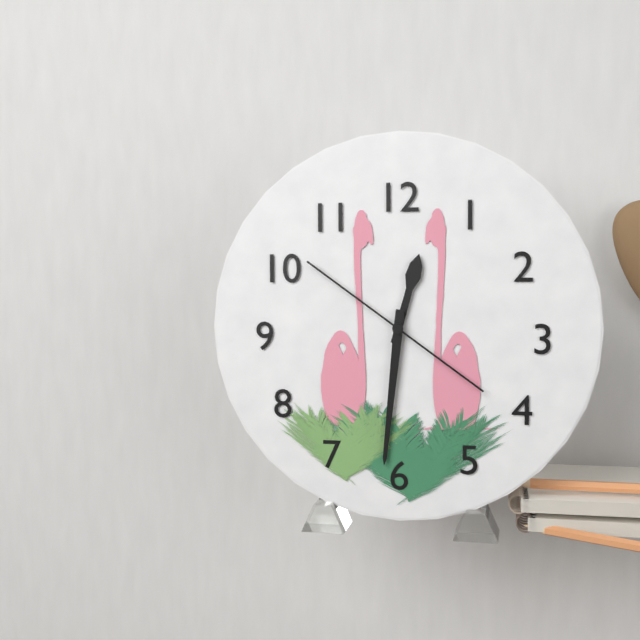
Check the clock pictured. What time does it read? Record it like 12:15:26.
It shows 12:31:51
